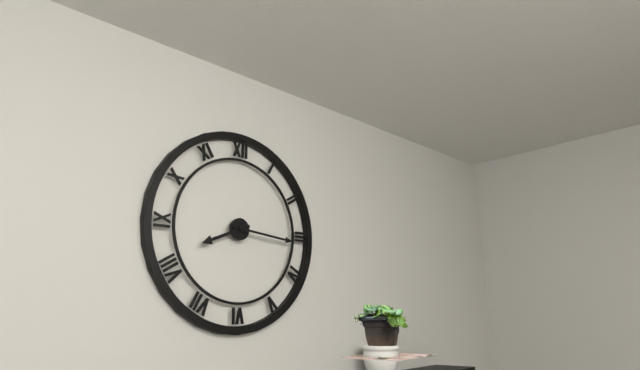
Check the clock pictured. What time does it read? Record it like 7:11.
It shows 8:16
